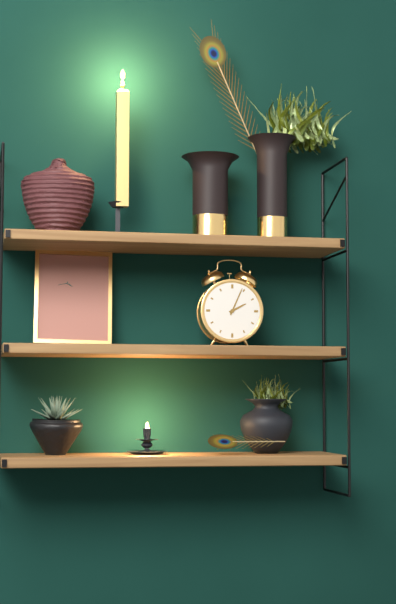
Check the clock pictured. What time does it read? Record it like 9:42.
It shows 2:04
